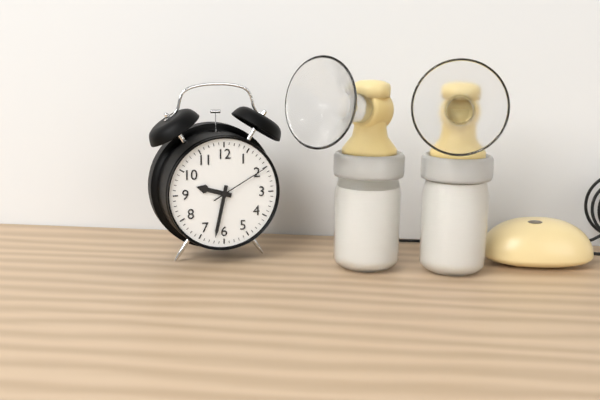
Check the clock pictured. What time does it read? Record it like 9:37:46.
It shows 9:32:10
